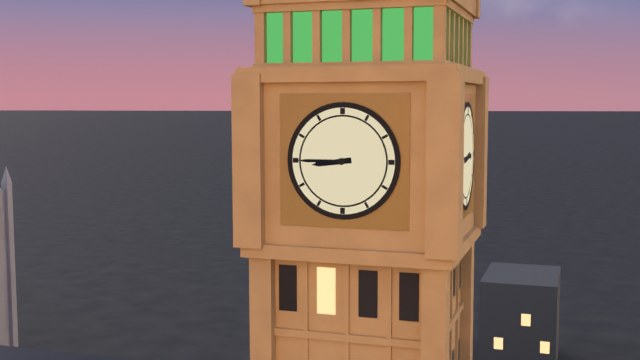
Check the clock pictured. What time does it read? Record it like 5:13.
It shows 8:45
